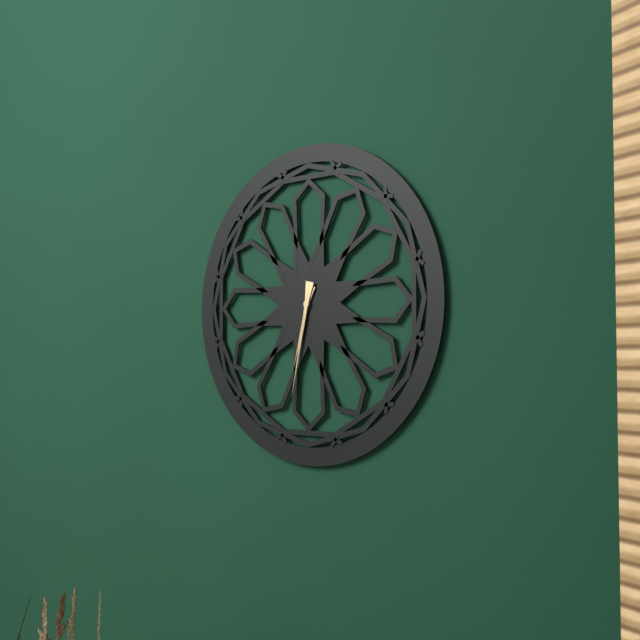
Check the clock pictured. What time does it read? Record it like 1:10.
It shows 6:32
